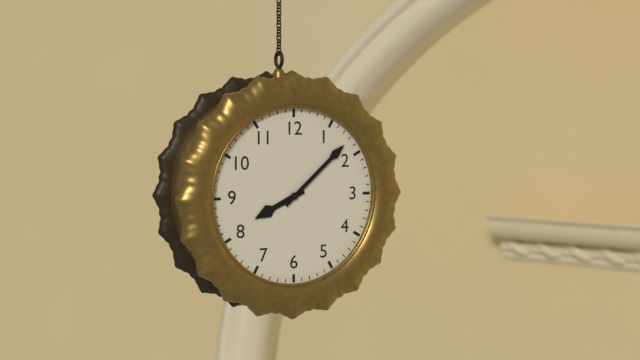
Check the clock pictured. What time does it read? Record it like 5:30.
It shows 8:08
